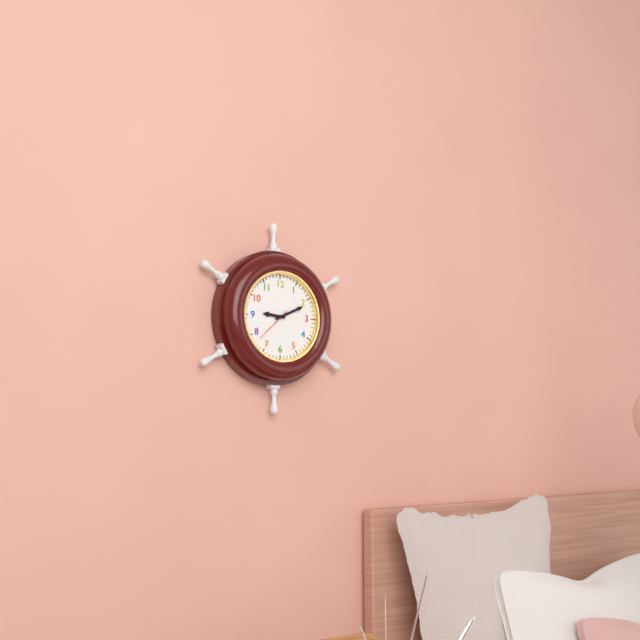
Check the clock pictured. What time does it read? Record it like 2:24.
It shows 9:11
